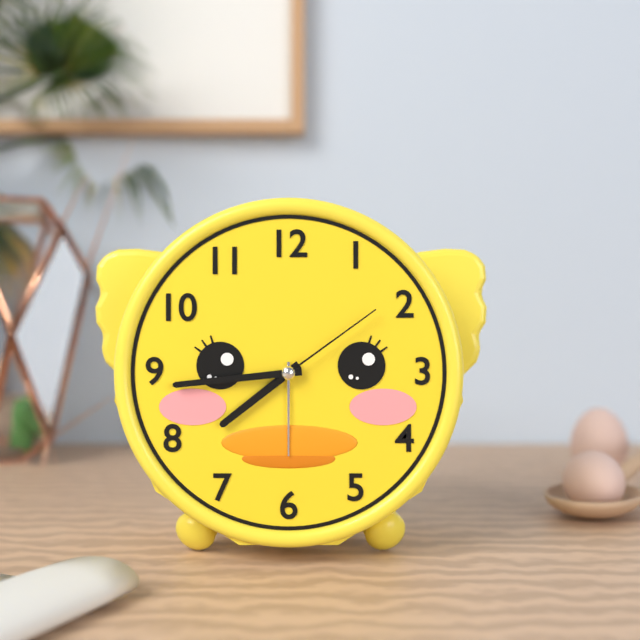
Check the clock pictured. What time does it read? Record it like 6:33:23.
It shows 7:44:09
